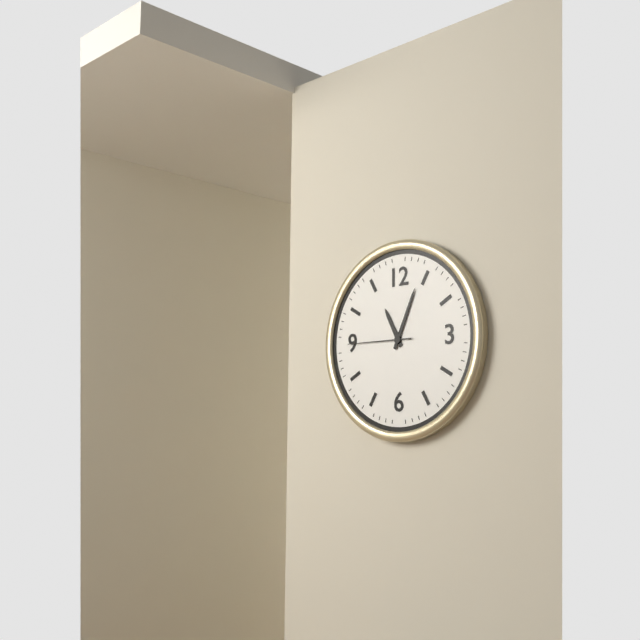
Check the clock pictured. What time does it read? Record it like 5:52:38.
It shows 11:04:45
